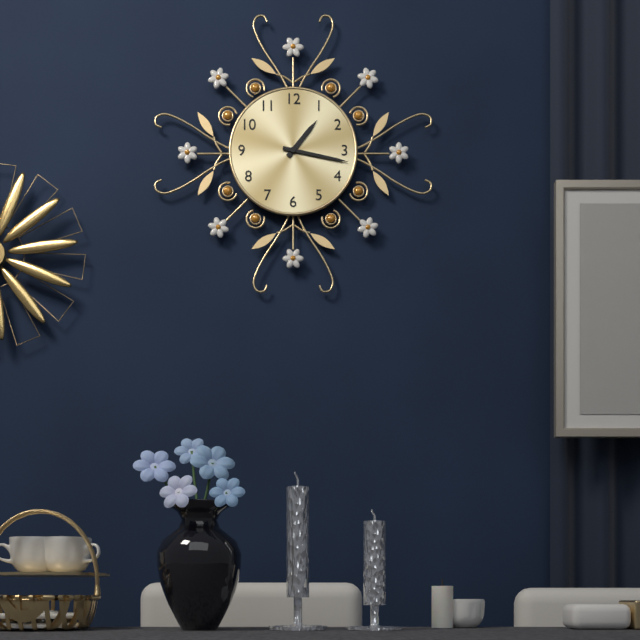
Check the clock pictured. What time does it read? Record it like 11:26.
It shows 1:17
